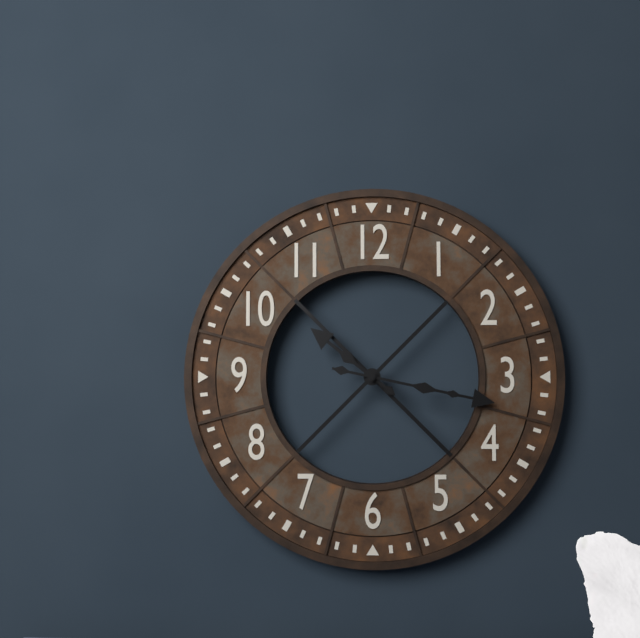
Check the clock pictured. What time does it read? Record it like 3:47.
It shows 10:17
